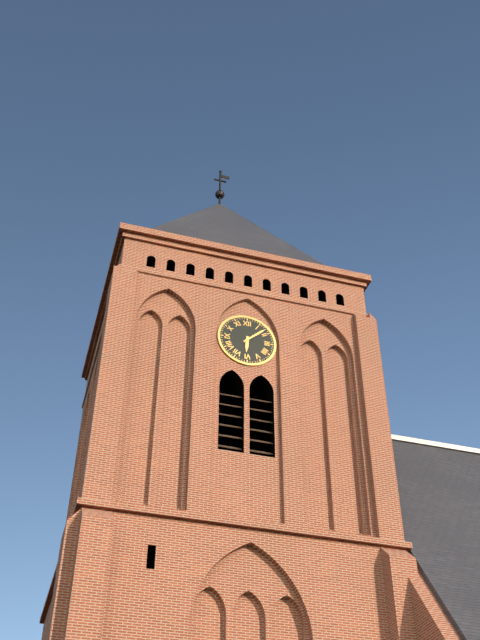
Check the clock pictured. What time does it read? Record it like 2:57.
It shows 6:08
